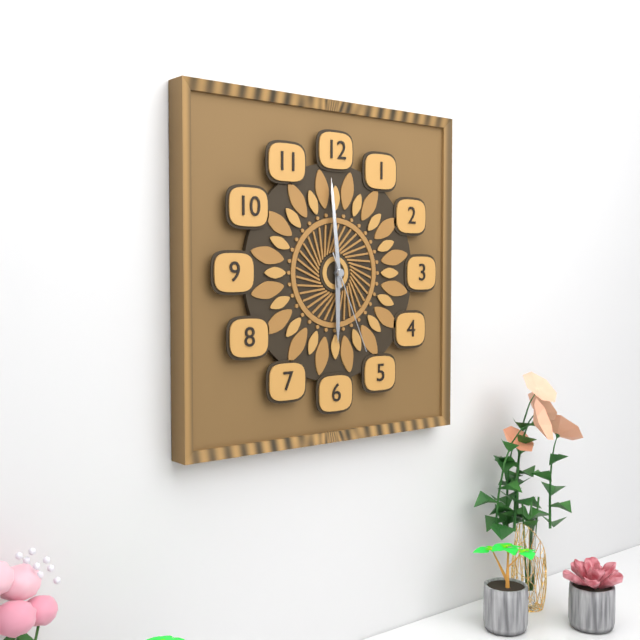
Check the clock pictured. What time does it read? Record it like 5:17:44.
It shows 5:59:26
